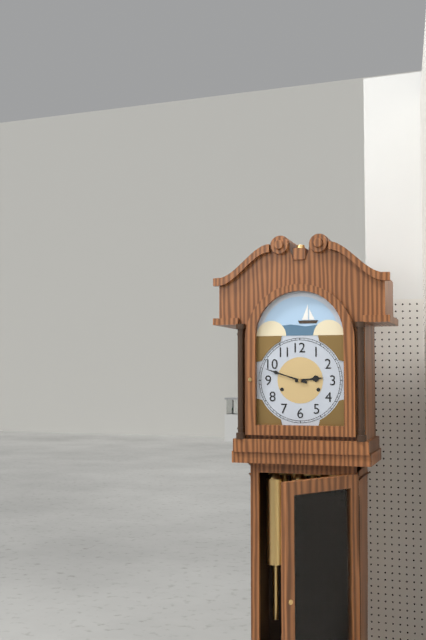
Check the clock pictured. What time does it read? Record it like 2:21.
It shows 2:48
